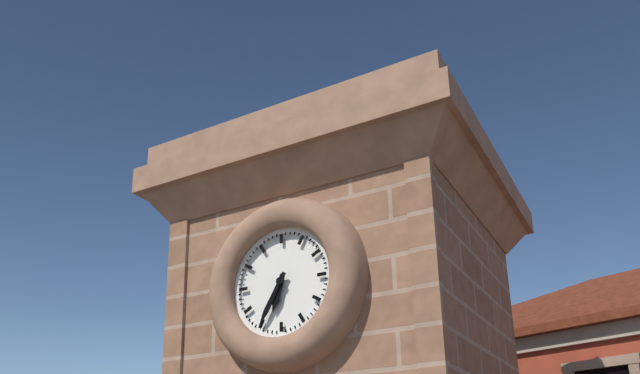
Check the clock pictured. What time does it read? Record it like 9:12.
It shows 6:35
